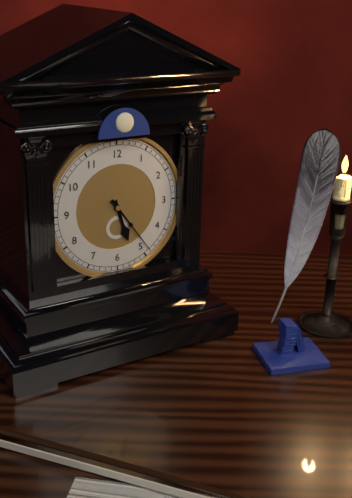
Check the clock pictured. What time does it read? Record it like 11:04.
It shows 5:24
